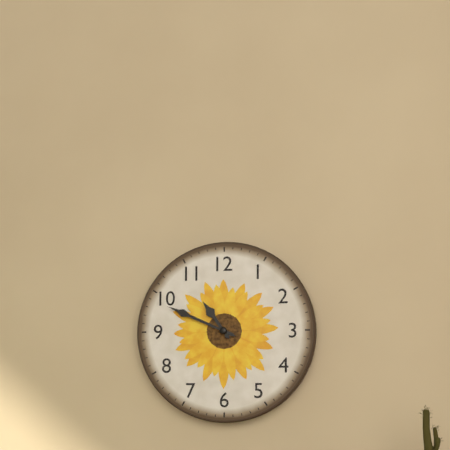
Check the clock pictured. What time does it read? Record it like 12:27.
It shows 10:49
